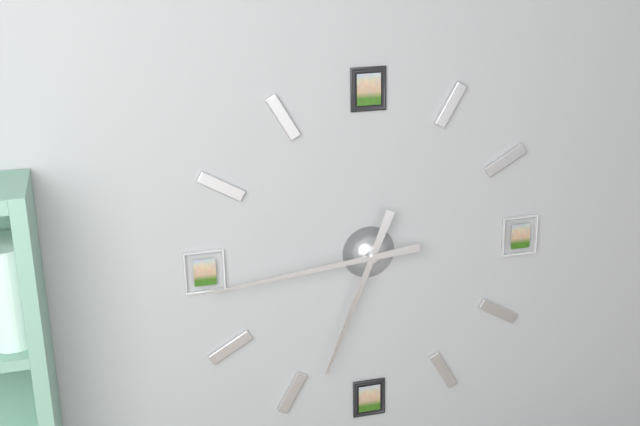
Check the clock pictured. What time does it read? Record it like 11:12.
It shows 6:44
